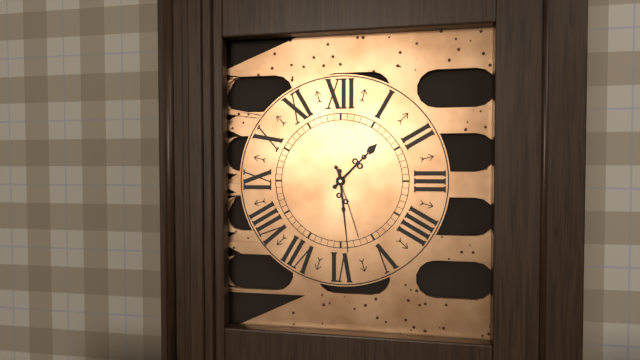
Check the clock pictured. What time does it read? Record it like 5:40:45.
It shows 1:29:27
